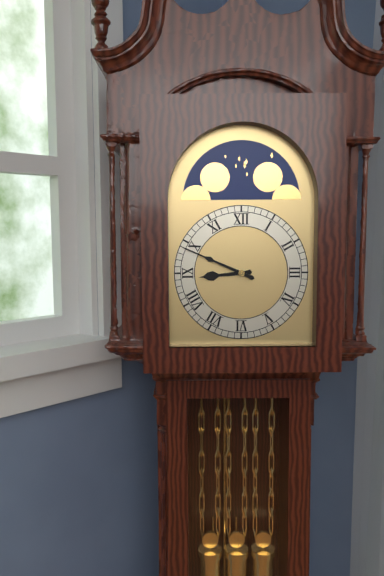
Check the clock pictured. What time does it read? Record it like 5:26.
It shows 8:49
